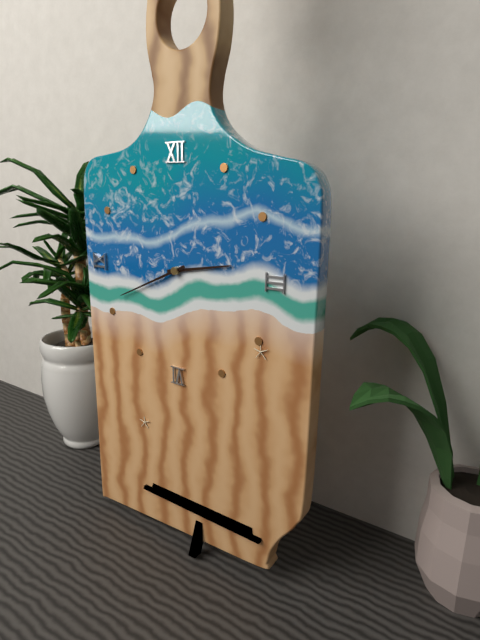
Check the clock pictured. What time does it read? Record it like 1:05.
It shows 2:41
